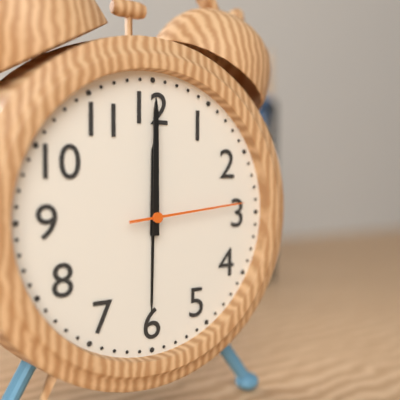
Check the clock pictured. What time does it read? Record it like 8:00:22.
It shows 12:00:14
